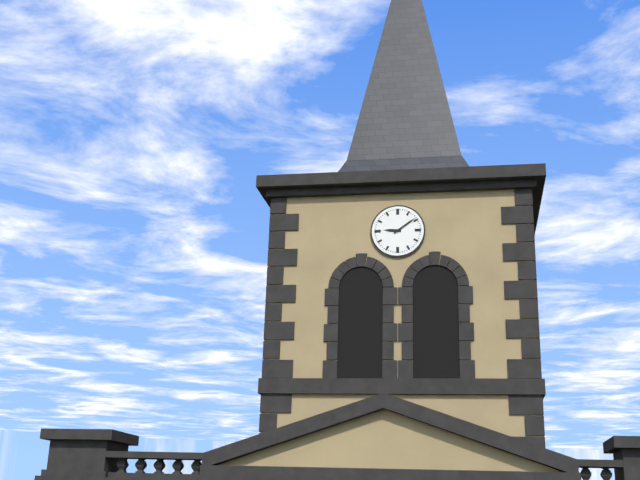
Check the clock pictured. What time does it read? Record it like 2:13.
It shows 9:09
